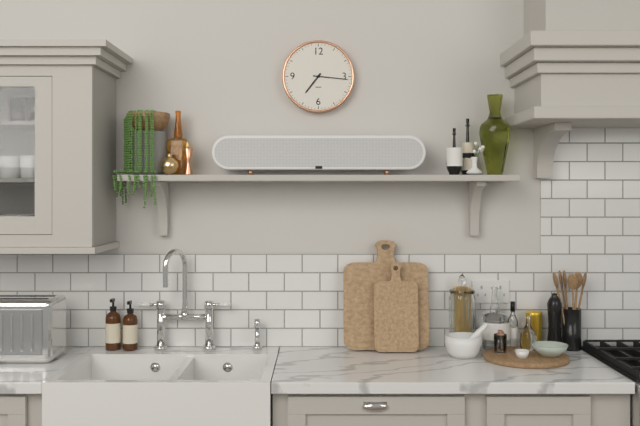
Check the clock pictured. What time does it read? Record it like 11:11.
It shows 7:16
